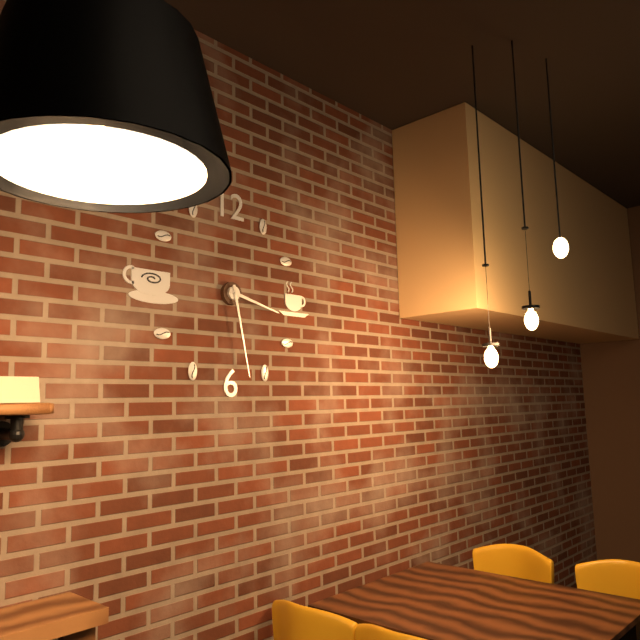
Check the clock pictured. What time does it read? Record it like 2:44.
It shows 3:28
